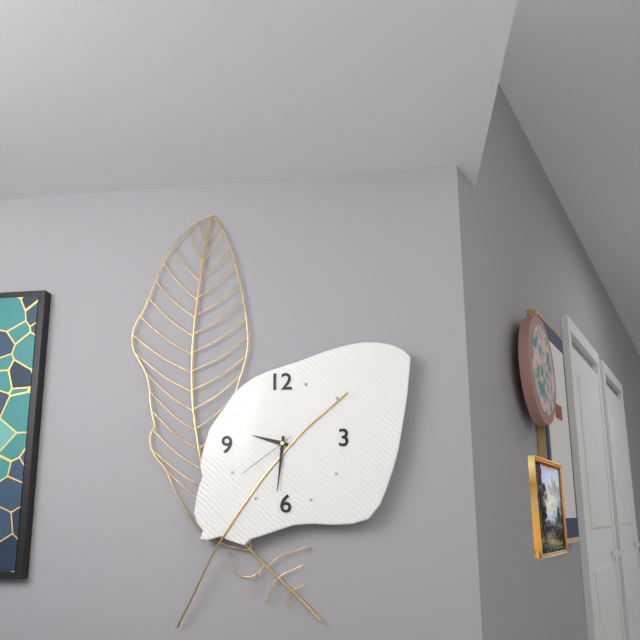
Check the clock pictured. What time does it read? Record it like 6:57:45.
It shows 9:31:39
